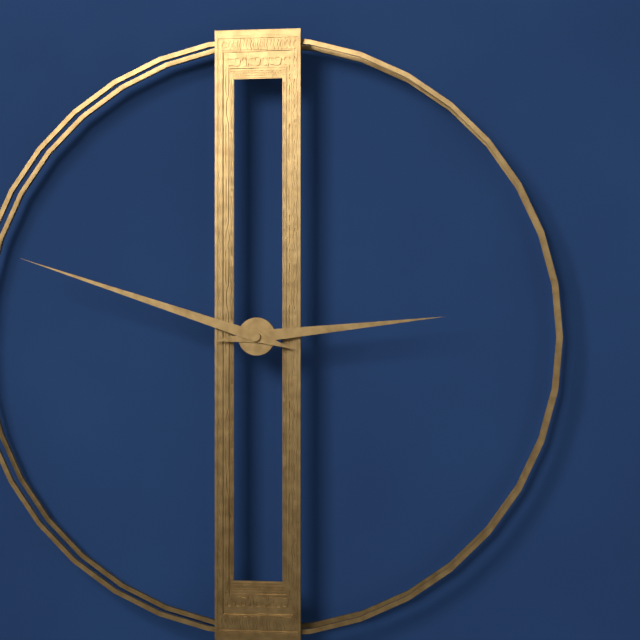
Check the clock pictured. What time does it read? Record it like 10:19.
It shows 2:48
